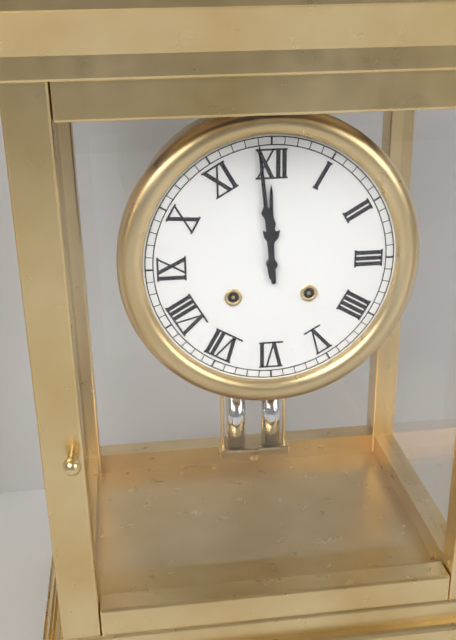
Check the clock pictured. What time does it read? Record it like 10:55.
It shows 11:59
